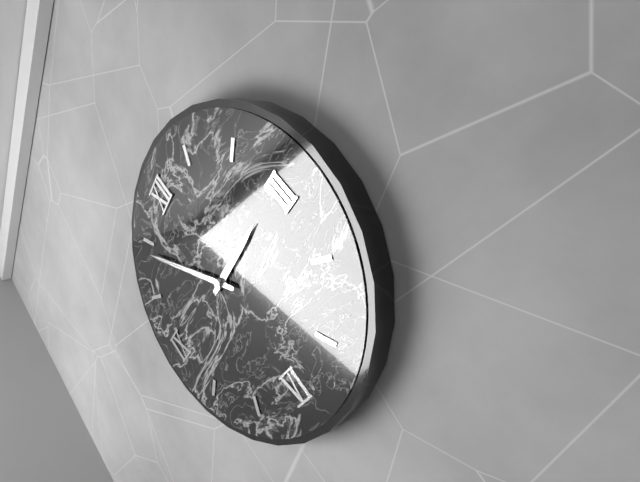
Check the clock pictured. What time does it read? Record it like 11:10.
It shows 2:54
